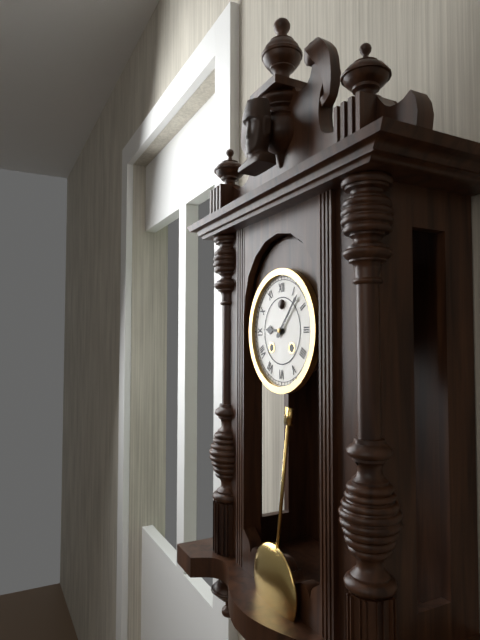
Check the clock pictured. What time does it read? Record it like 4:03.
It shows 9:07
